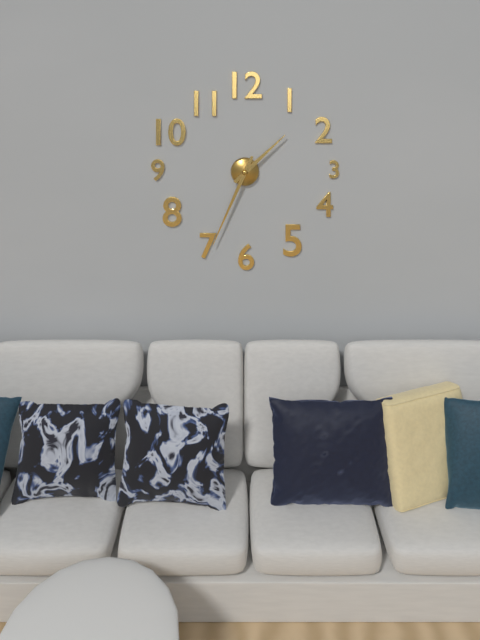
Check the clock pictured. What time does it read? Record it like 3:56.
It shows 1:34
